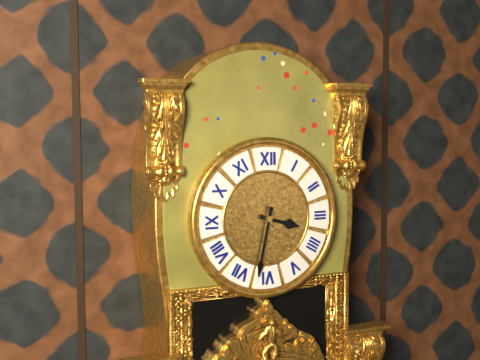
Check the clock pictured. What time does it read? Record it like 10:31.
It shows 3:32
